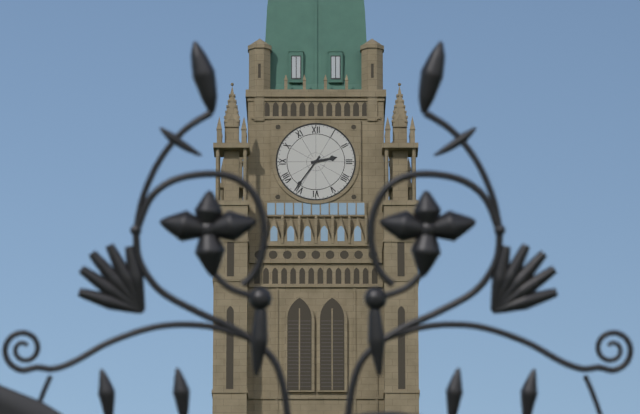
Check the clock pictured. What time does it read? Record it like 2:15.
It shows 2:36
